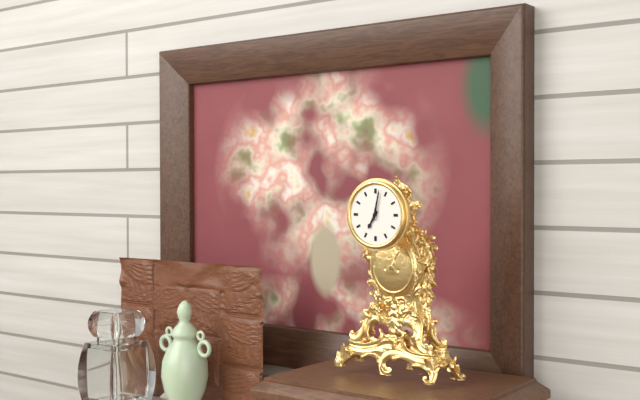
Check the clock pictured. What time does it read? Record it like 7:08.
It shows 7:02
